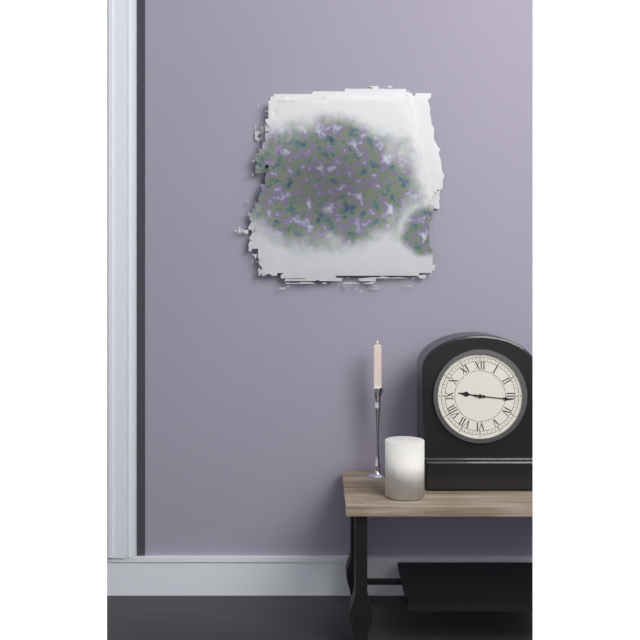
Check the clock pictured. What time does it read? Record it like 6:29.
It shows 9:16
